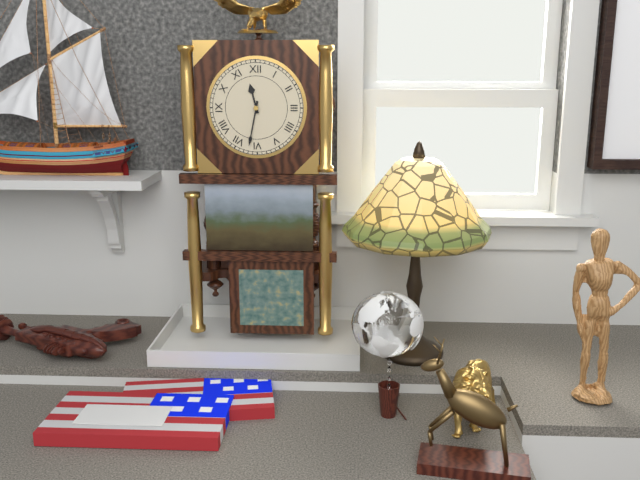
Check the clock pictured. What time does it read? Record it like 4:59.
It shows 11:32
